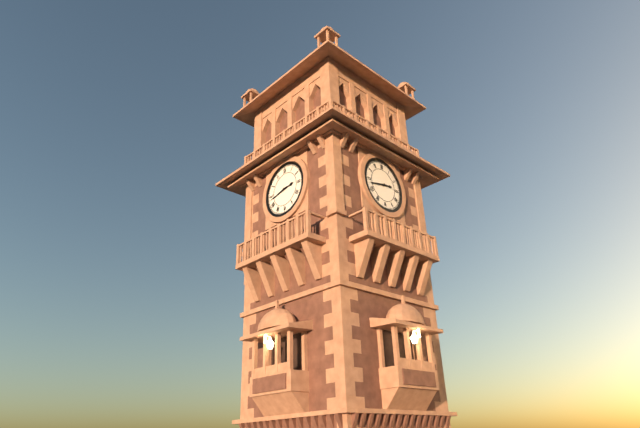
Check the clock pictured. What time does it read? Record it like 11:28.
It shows 2:43
